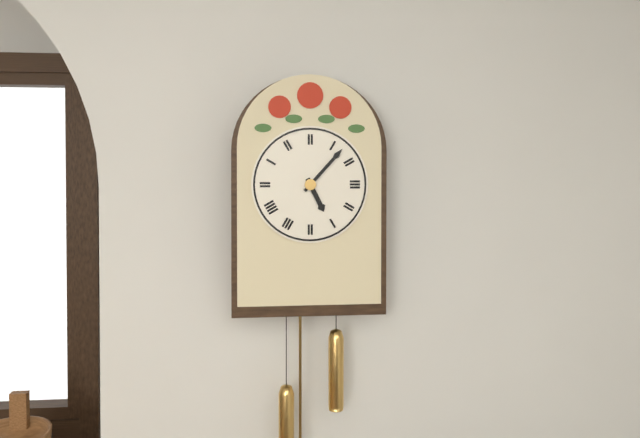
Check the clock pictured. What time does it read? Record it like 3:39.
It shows 5:07
